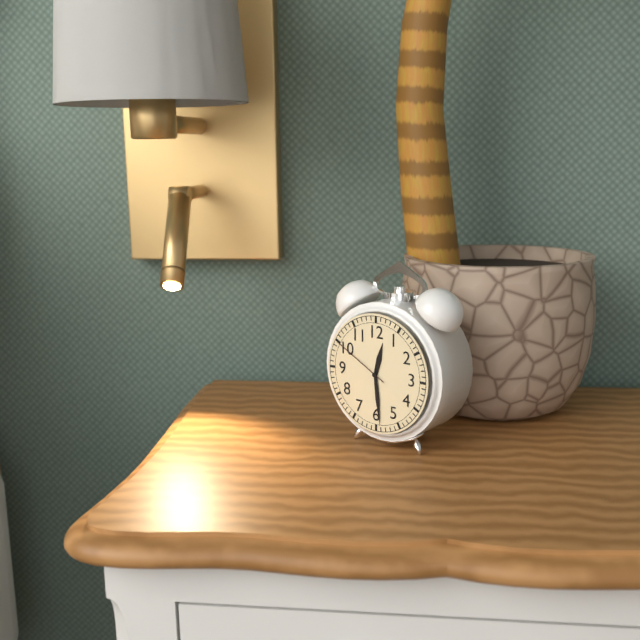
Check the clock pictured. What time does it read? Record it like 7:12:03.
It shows 12:29:50
